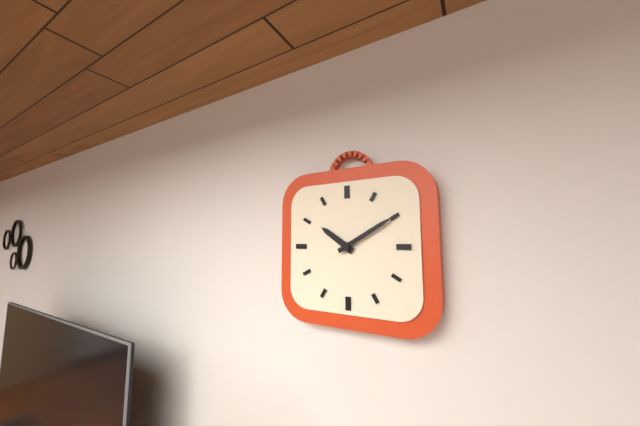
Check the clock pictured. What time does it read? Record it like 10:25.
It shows 10:10
